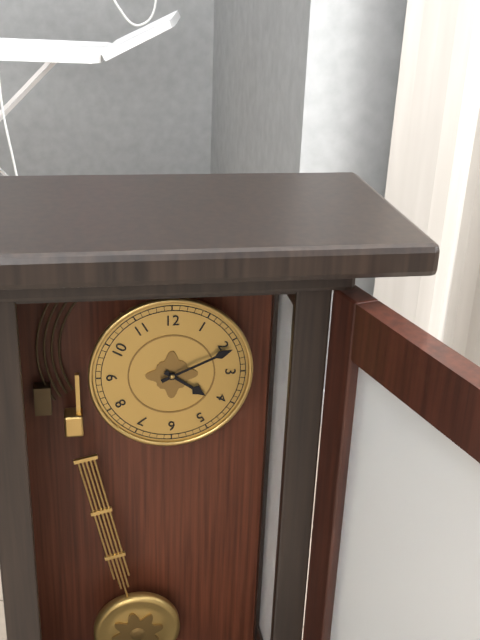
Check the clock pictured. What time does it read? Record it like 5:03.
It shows 4:11
